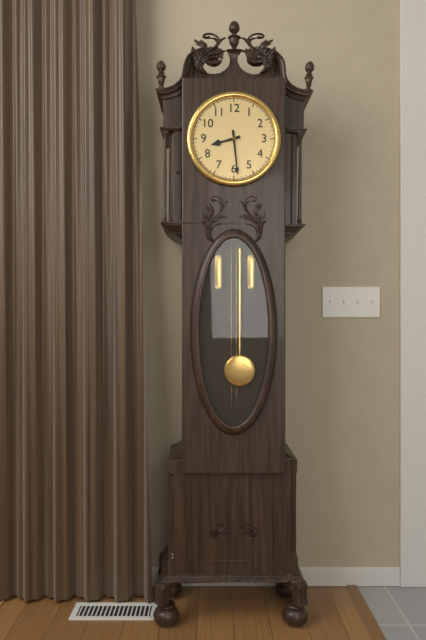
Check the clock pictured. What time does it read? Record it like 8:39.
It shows 8:29
